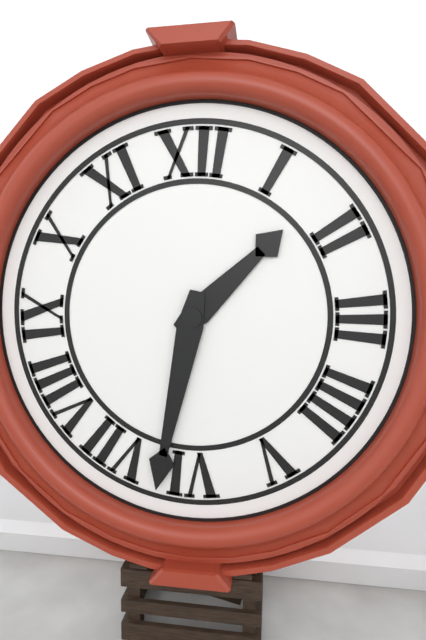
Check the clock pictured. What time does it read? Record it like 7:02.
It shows 1:32
